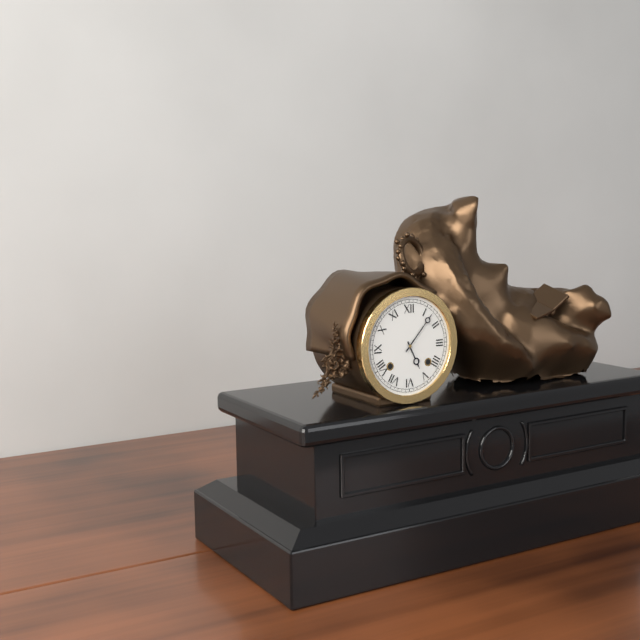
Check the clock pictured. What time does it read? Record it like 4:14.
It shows 5:07
